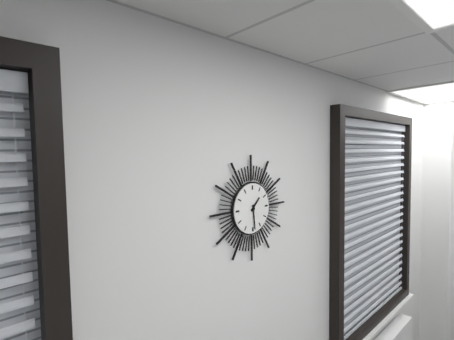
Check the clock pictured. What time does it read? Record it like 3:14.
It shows 1:29
